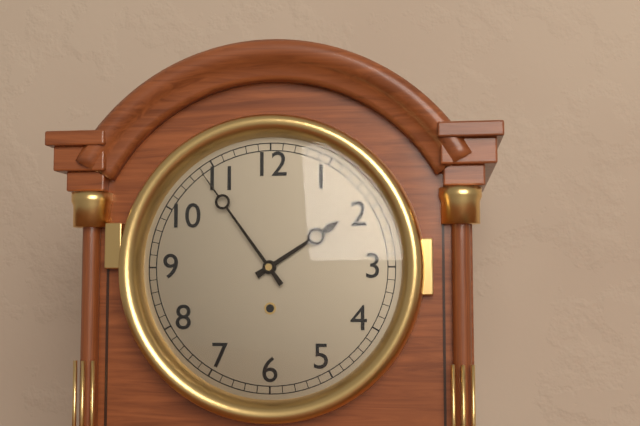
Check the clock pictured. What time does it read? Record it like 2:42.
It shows 1:54
